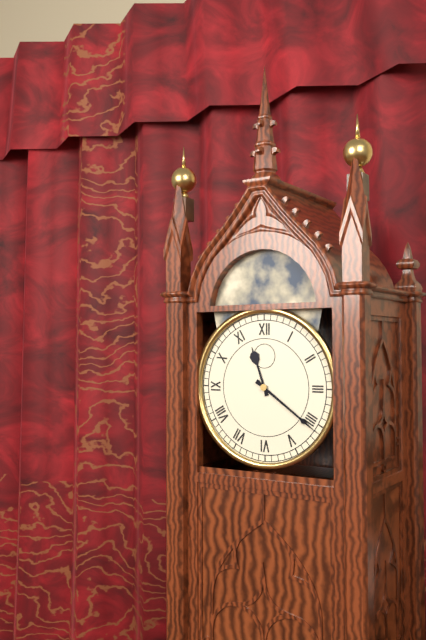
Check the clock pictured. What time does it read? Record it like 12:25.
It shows 11:21
